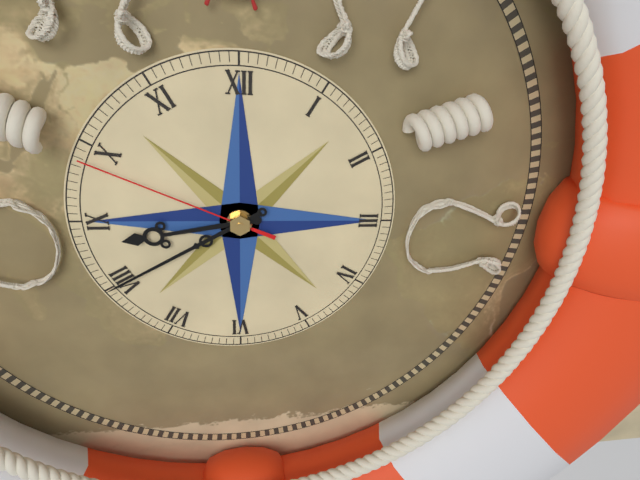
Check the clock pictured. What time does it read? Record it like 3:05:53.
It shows 8:40:49
